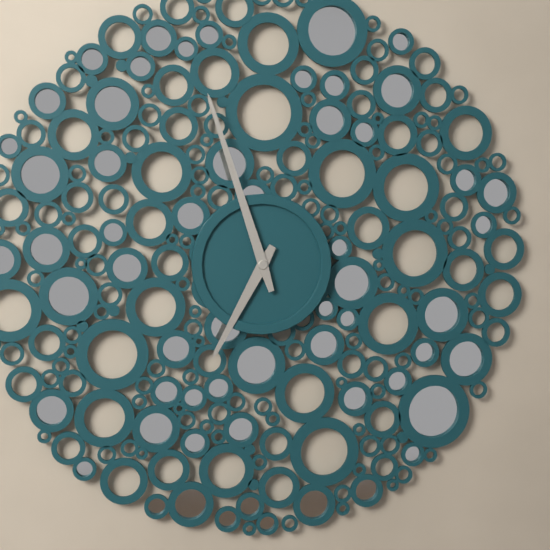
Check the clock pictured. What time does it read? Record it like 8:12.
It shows 6:57
